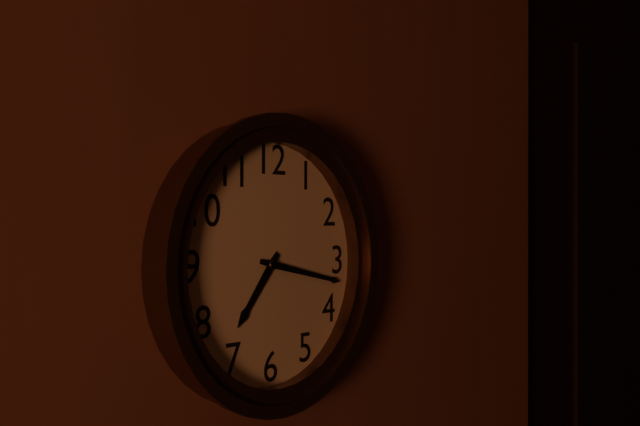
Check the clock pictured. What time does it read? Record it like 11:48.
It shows 7:17
